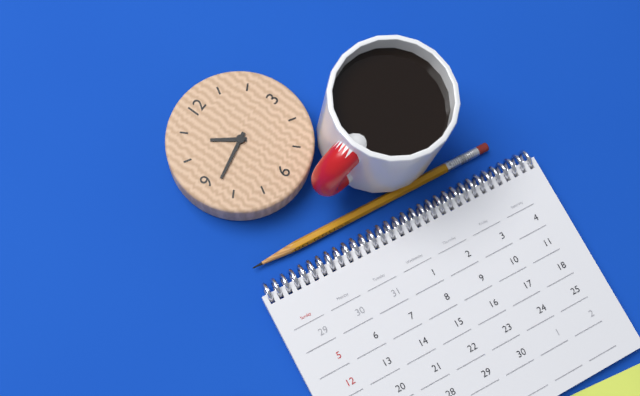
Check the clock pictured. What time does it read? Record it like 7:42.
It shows 10:43
